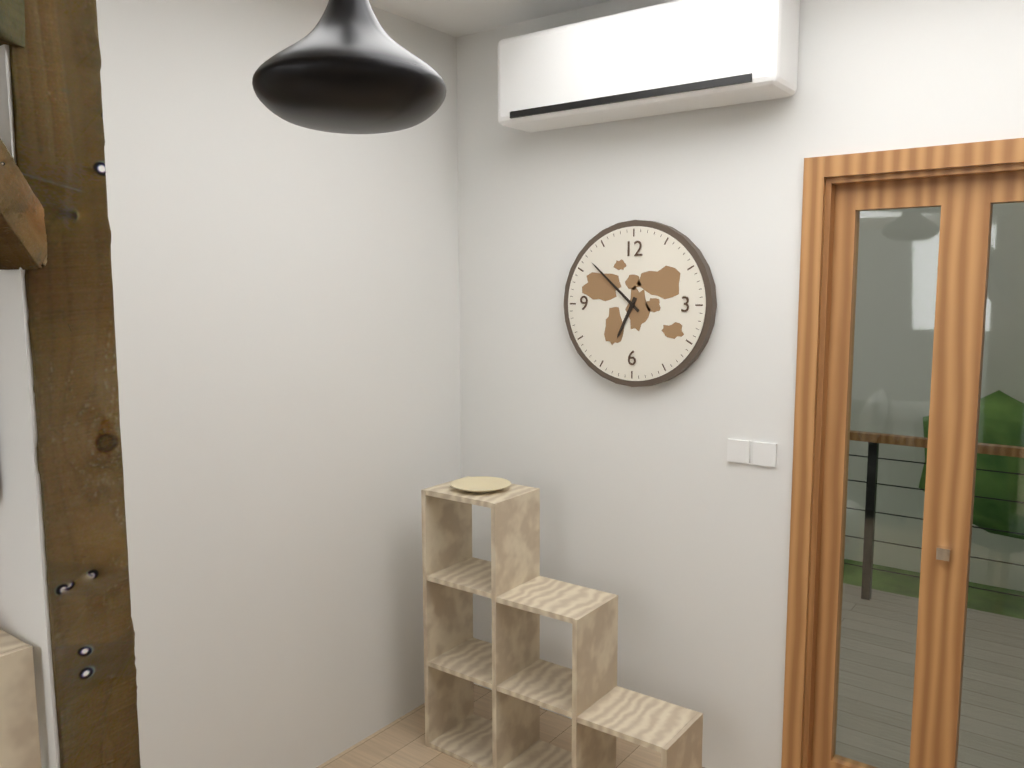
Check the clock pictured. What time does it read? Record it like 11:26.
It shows 6:52
